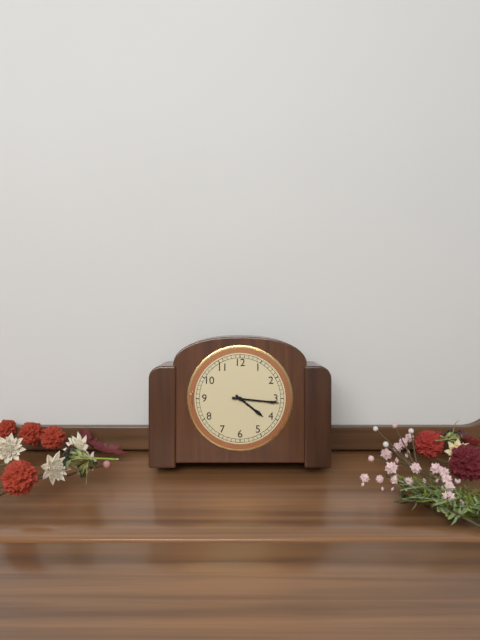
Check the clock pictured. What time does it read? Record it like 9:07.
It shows 4:16
